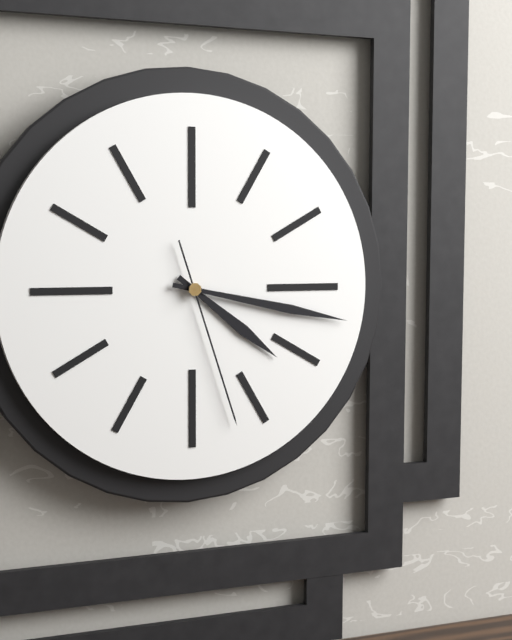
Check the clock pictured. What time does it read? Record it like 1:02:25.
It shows 4:17:27
